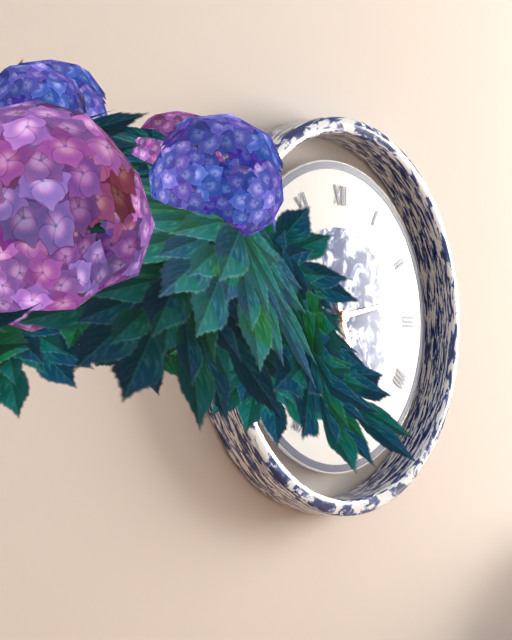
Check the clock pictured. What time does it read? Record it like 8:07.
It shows 5:13
